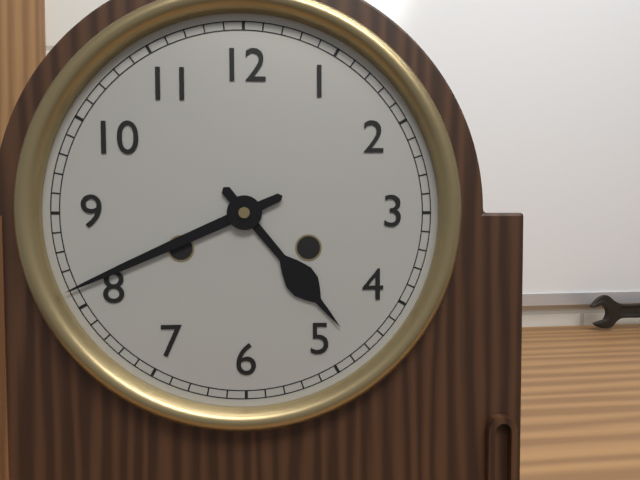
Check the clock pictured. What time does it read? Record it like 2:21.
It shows 4:41
